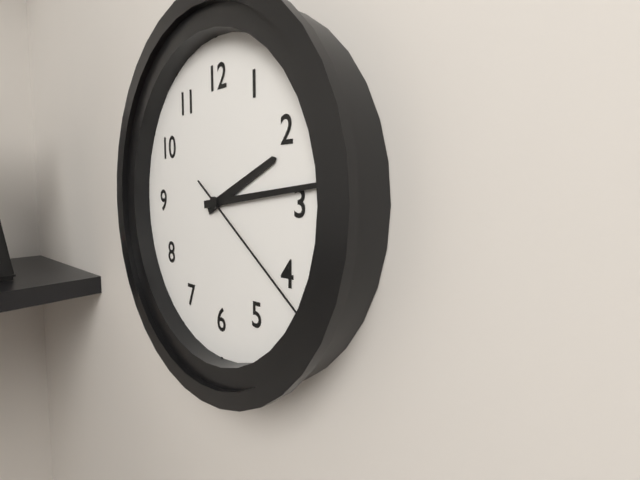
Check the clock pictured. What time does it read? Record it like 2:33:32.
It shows 2:14:21
